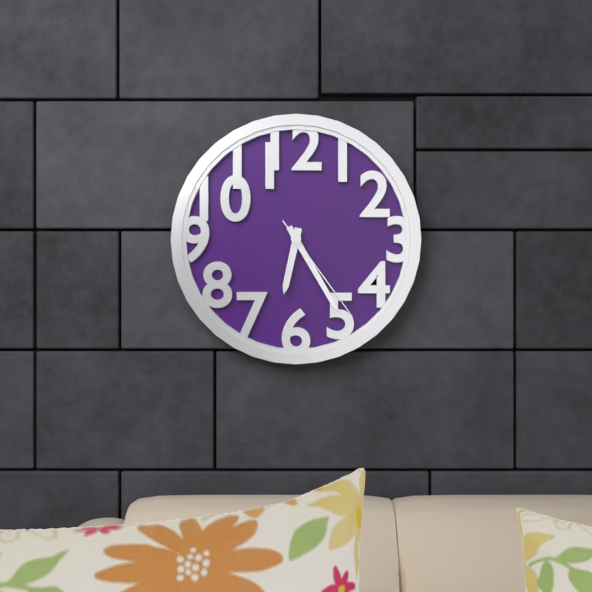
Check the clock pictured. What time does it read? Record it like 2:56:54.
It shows 6:25:24
